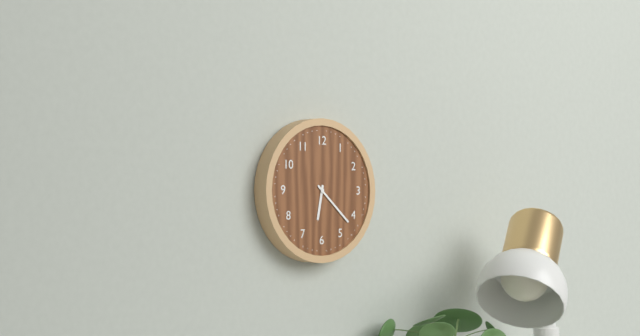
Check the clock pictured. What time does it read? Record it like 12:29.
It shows 6:22
